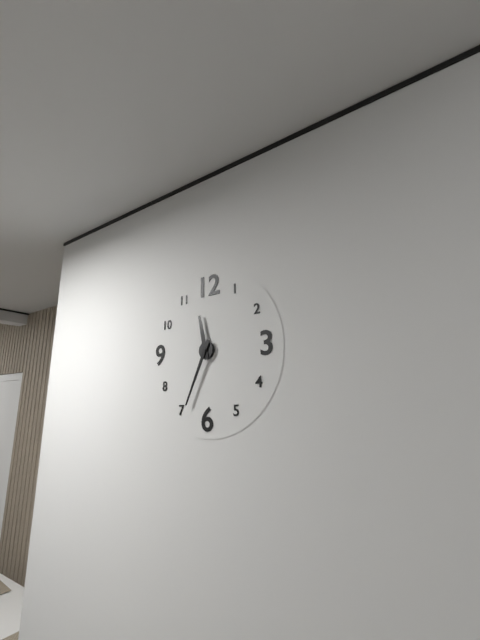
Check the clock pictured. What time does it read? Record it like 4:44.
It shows 11:34
